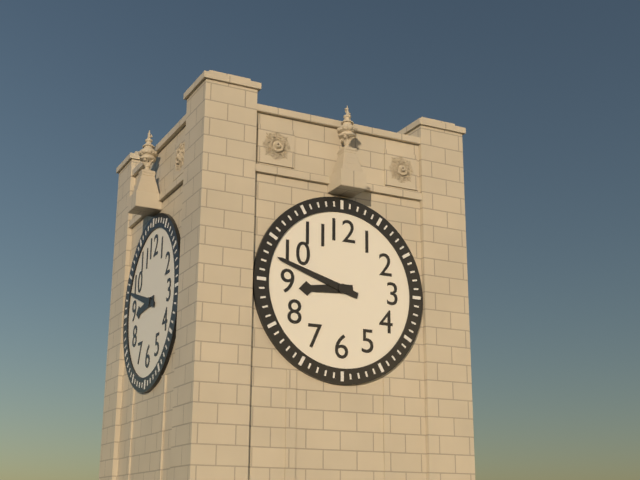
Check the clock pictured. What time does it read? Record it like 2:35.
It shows 8:48
